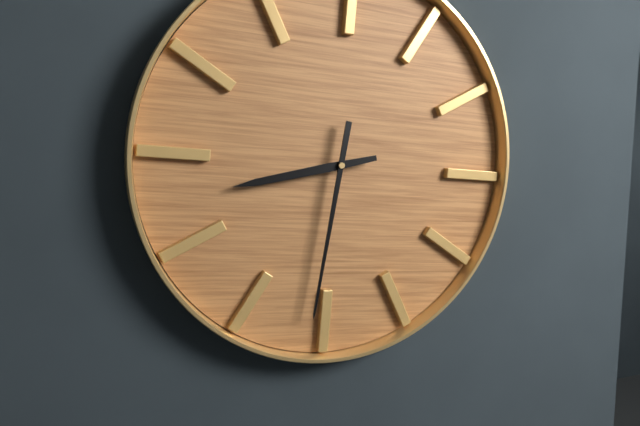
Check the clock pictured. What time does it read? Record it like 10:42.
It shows 8:31
